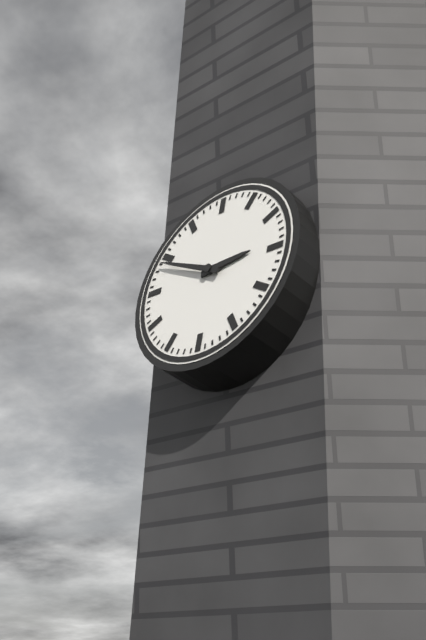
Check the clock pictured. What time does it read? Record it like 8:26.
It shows 2:49
